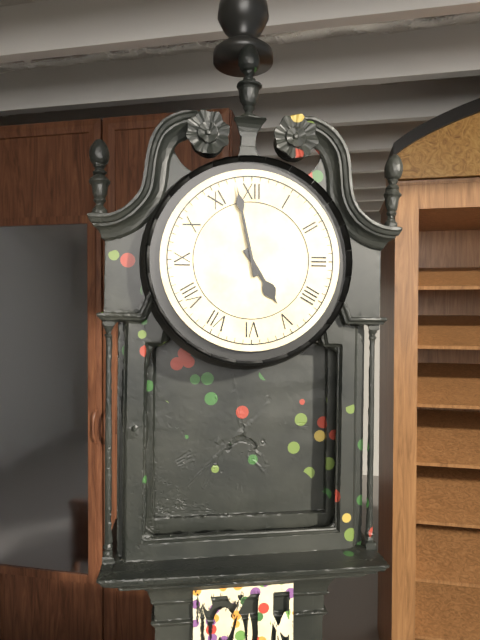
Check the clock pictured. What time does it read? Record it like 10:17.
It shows 4:58
